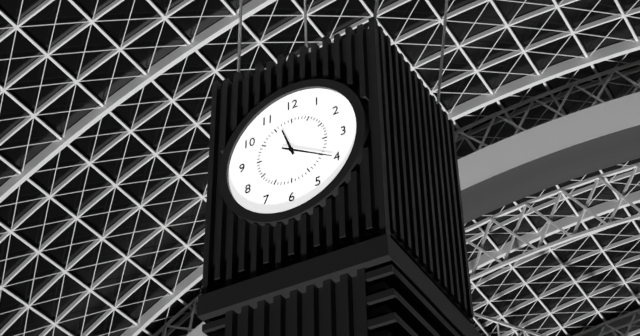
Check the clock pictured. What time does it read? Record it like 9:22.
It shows 11:20
